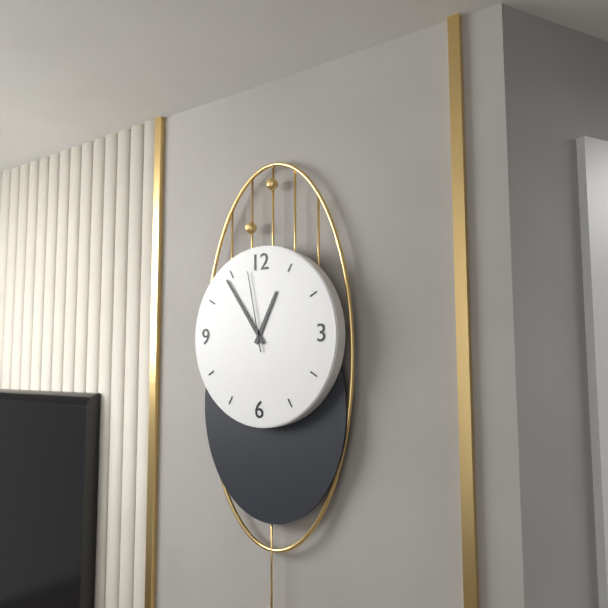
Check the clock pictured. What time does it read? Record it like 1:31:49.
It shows 12:54:58
